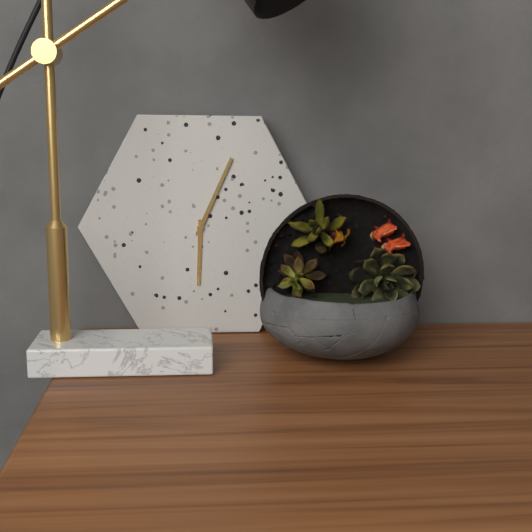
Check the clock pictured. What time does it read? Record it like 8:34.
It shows 6:04
